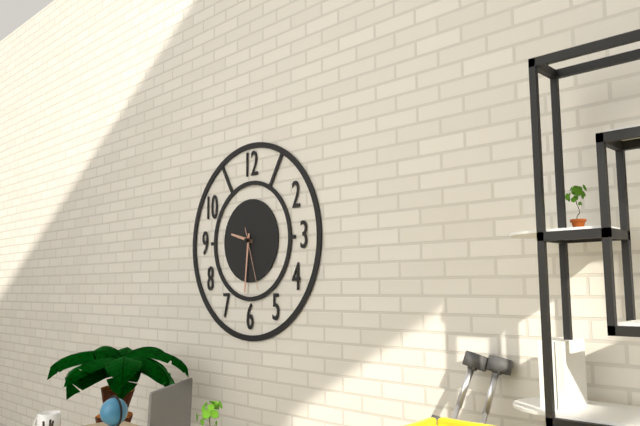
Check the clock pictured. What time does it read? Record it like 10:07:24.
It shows 9:31:27
